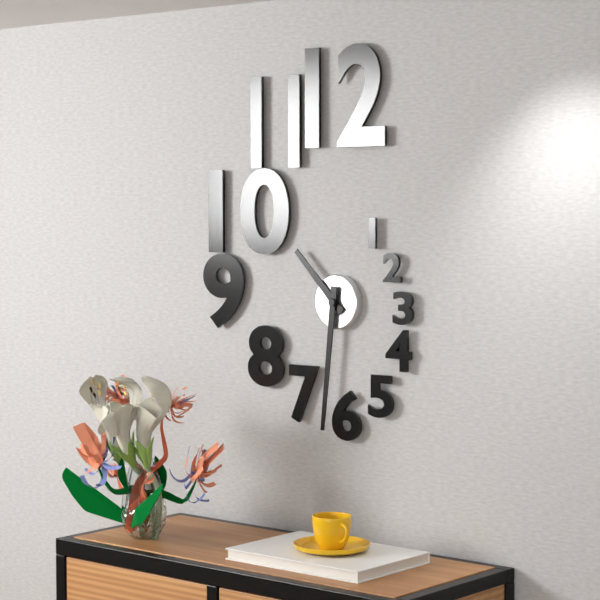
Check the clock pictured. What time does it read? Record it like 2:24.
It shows 10:31
